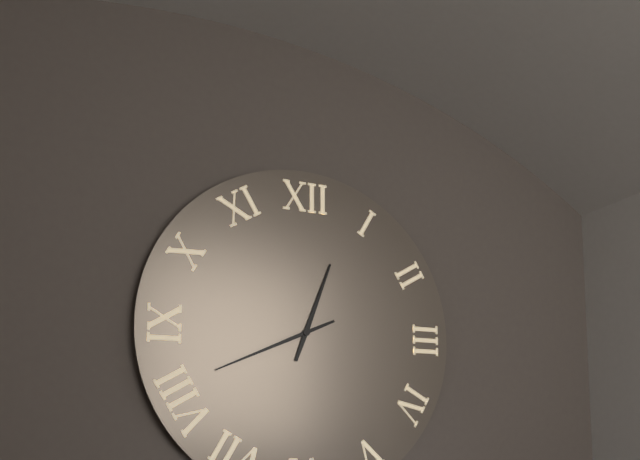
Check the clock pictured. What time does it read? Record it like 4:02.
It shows 12:41
